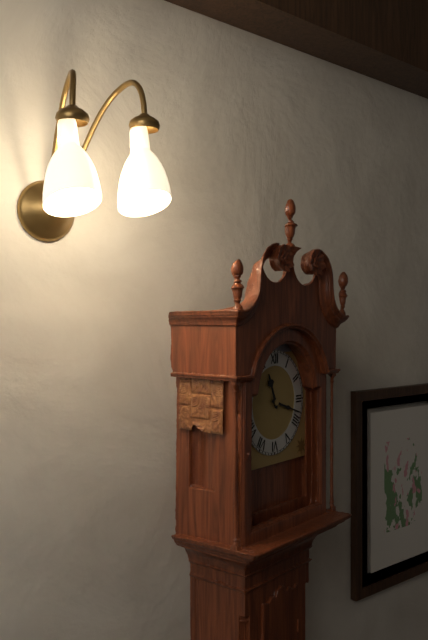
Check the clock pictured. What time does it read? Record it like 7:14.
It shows 11:18
